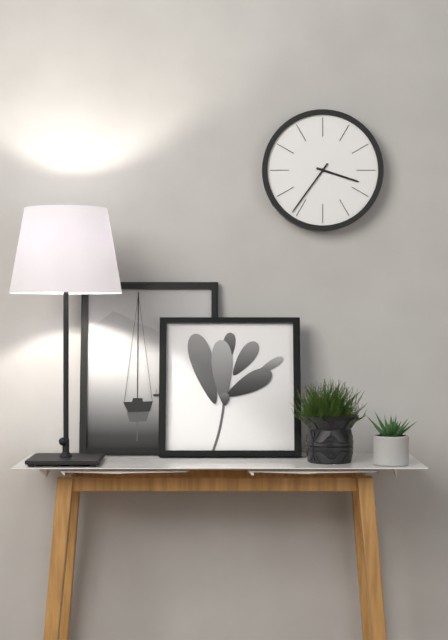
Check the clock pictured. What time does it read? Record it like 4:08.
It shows 3:36
